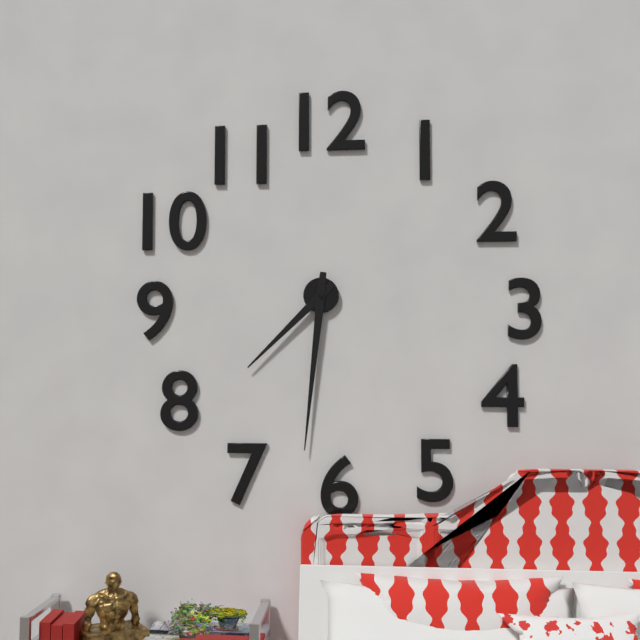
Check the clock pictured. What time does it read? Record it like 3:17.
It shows 7:31
